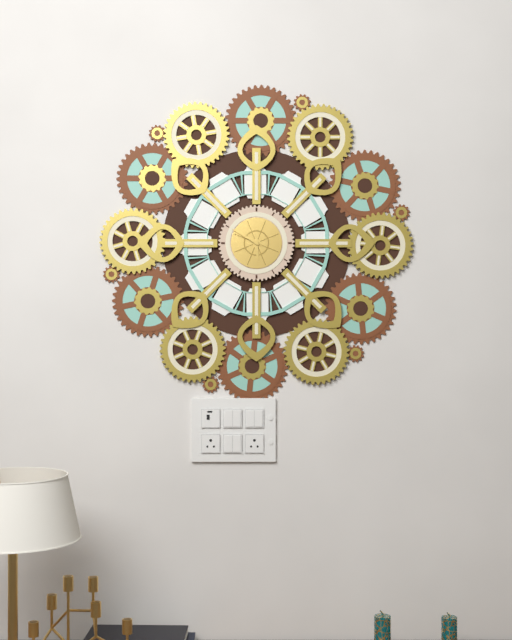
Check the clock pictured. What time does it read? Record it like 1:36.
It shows 5:50
